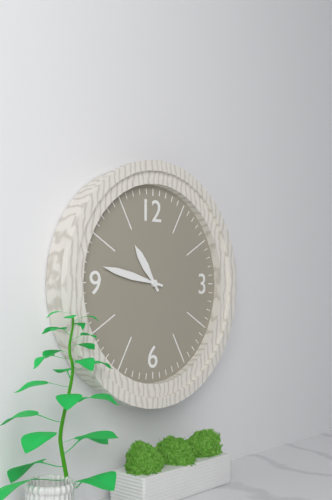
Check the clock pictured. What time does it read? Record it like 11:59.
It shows 10:47
